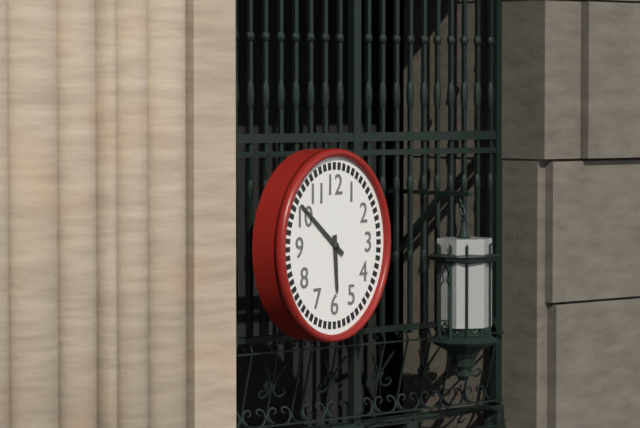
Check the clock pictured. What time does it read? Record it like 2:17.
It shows 5:51
